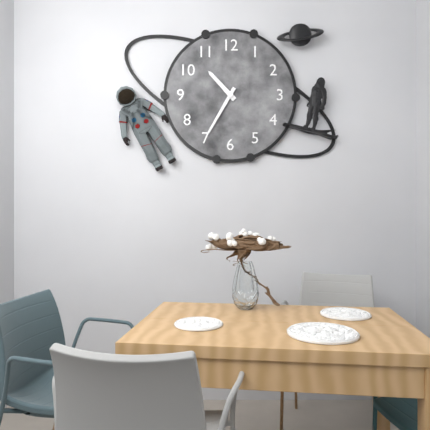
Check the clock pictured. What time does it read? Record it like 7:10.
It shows 10:35
